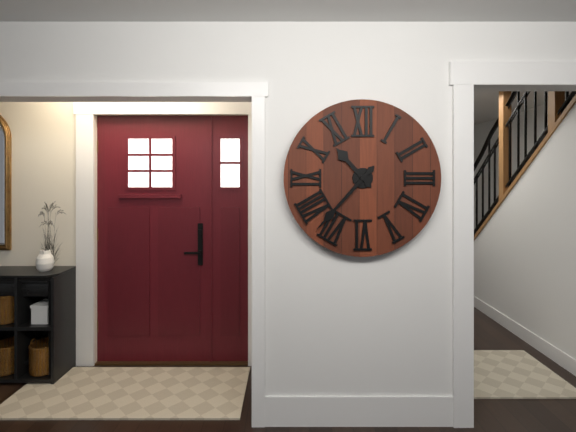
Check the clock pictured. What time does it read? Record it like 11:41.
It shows 10:37
